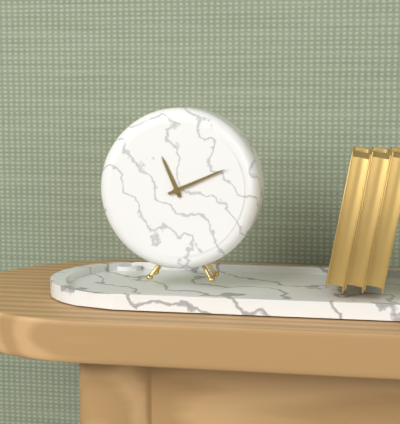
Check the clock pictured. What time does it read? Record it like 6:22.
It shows 11:11
